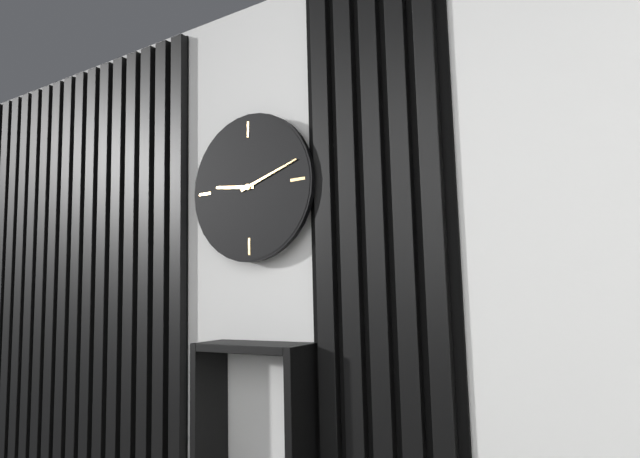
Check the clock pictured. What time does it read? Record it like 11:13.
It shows 9:12
